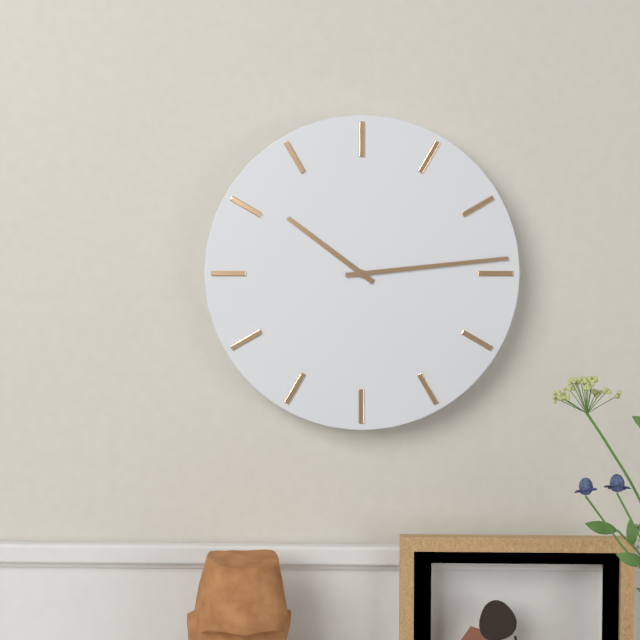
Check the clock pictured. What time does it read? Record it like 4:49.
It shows 10:14
